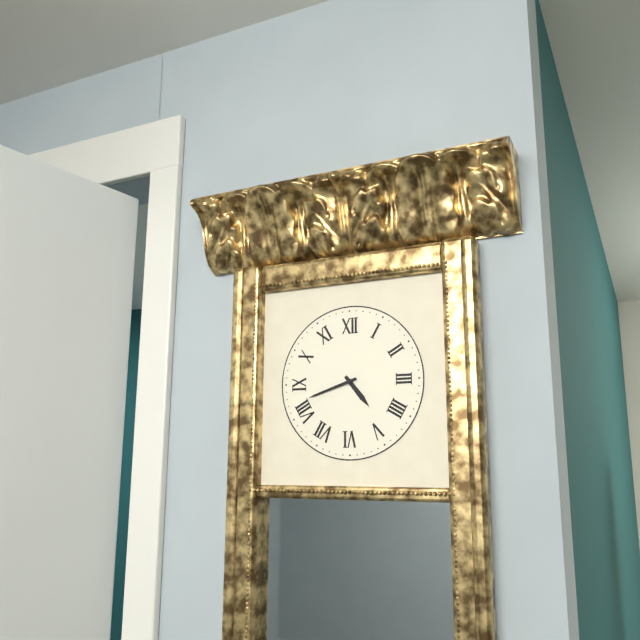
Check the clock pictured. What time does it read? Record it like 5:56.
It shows 4:42
